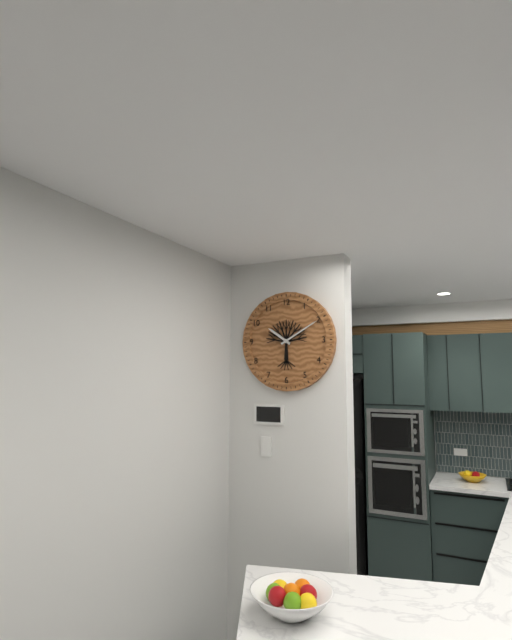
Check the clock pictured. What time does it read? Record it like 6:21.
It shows 10:10
